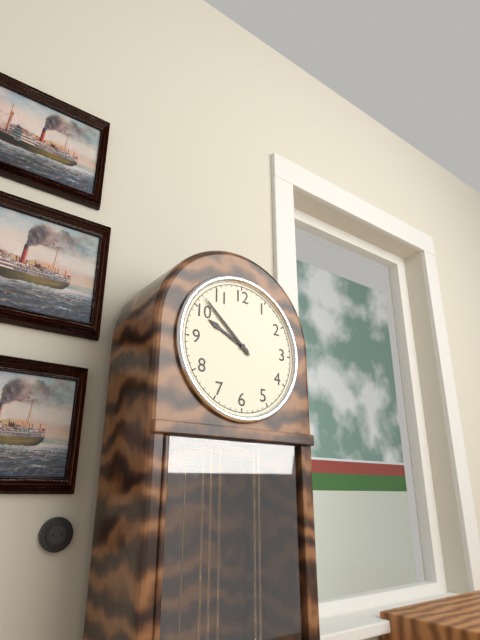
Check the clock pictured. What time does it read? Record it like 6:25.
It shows 9:52
